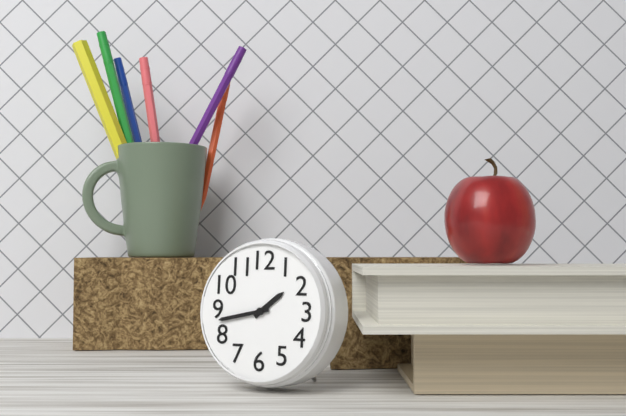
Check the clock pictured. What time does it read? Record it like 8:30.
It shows 1:43
